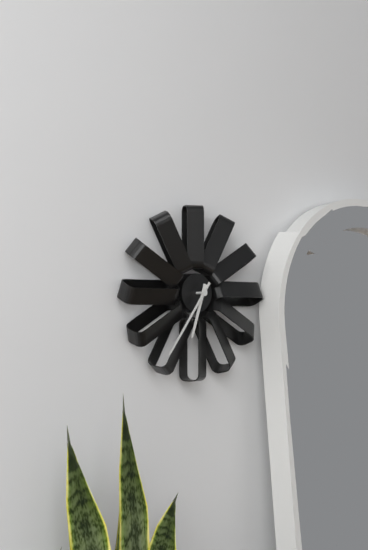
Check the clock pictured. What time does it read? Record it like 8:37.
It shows 6:36
